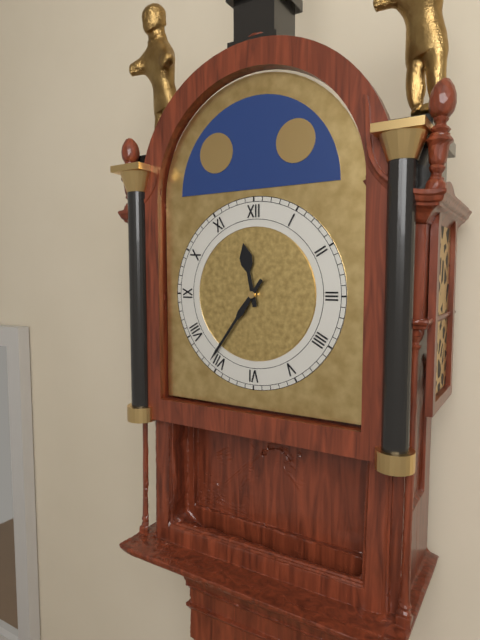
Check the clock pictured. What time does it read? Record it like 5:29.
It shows 11:36
